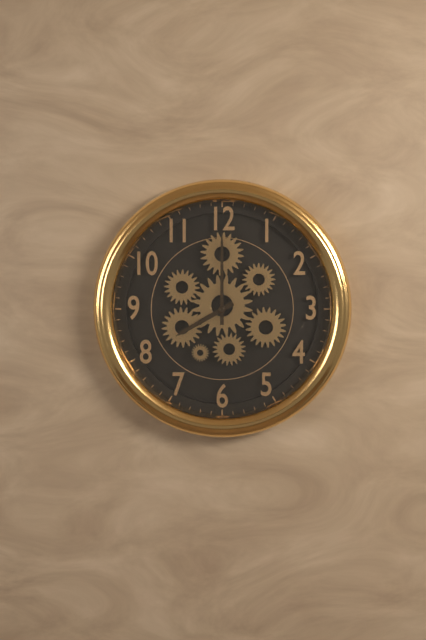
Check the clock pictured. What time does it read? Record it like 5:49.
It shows 8:00
